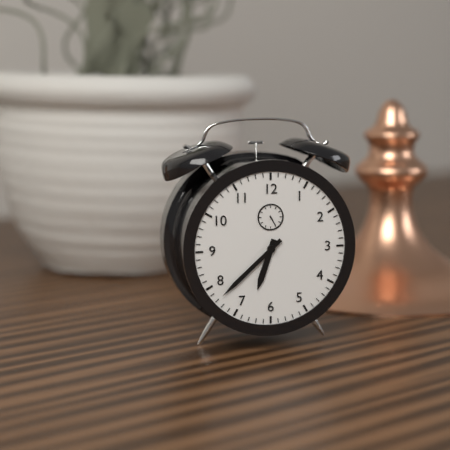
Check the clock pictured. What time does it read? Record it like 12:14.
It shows 6:38
